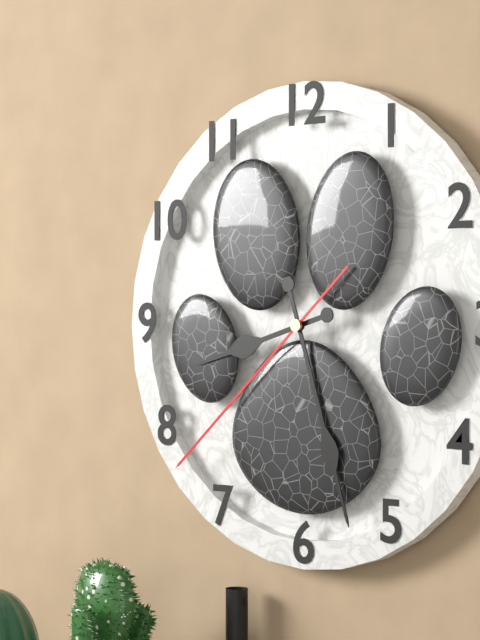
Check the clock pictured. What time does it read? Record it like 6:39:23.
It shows 8:27:38
